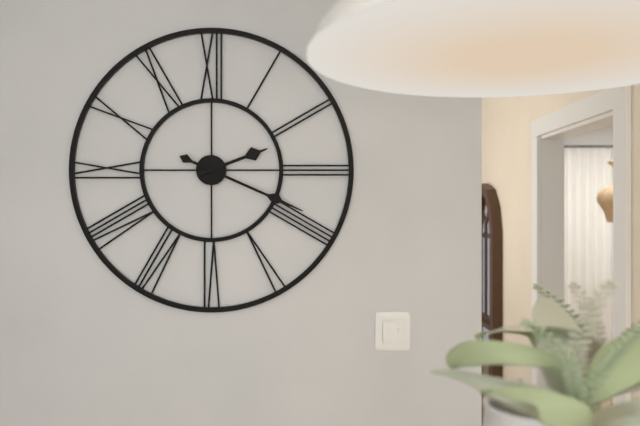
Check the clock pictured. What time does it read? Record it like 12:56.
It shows 2:19
